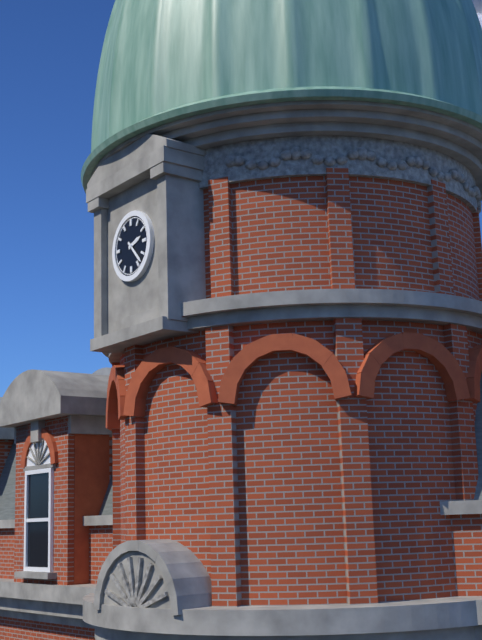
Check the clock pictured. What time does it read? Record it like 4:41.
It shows 2:23
